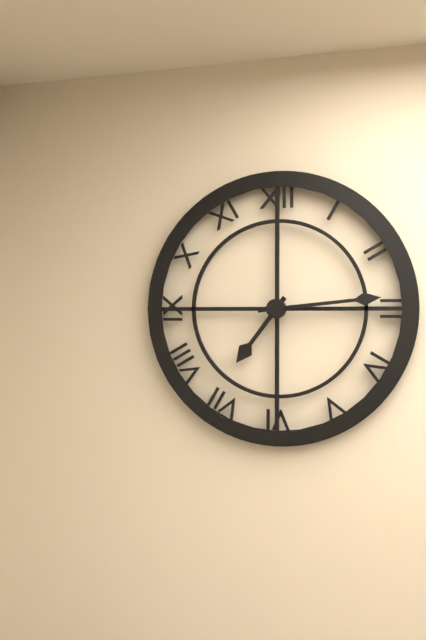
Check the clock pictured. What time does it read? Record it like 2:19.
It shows 7:14
